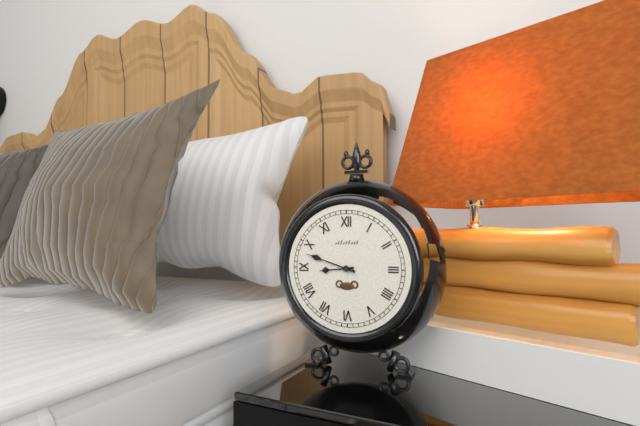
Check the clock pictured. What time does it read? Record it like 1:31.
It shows 8:48
